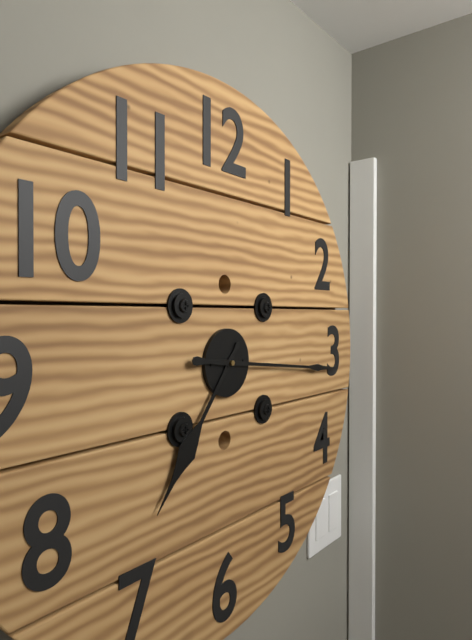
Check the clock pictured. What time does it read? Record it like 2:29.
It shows 7:16
